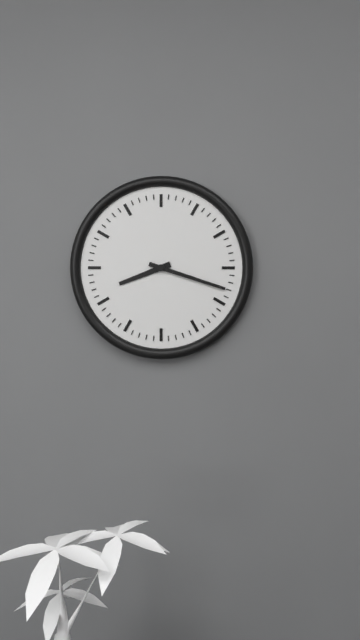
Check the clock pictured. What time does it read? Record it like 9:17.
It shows 8:18
